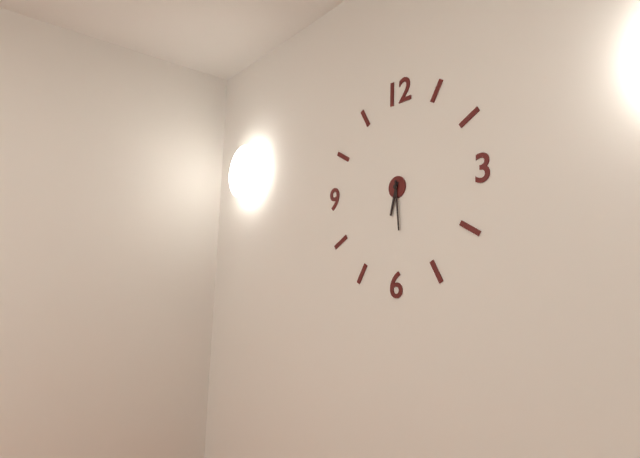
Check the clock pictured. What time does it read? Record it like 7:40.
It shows 6:29
